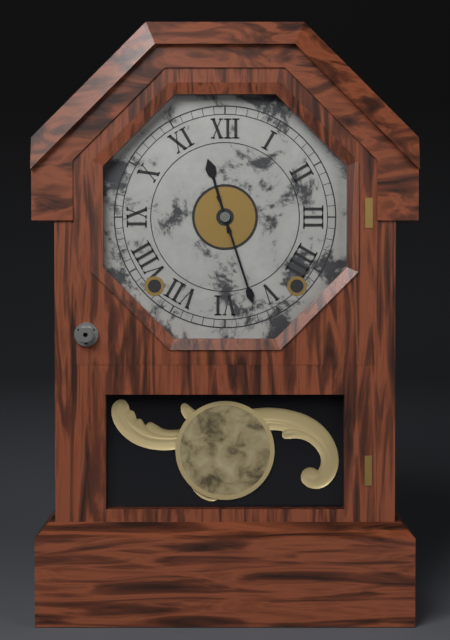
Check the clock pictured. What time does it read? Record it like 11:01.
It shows 11:27
